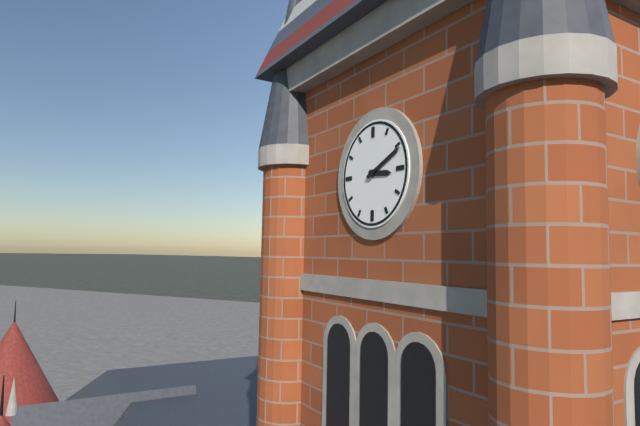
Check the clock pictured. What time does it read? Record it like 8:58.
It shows 3:11
